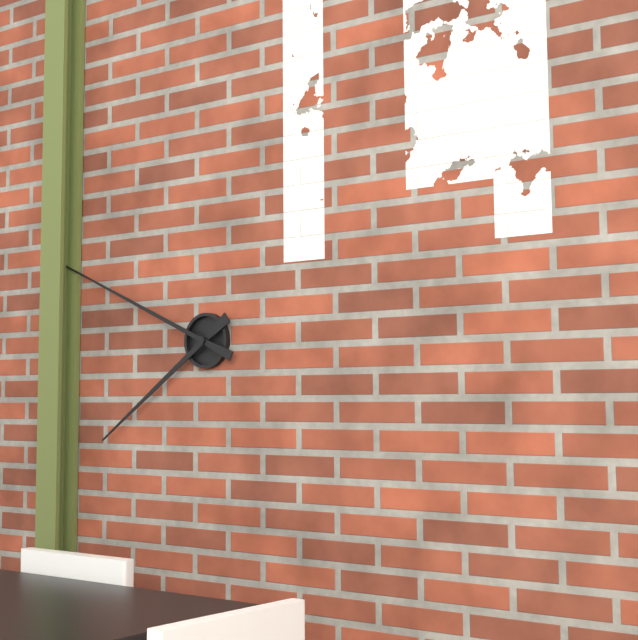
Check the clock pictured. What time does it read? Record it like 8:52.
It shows 7:49
